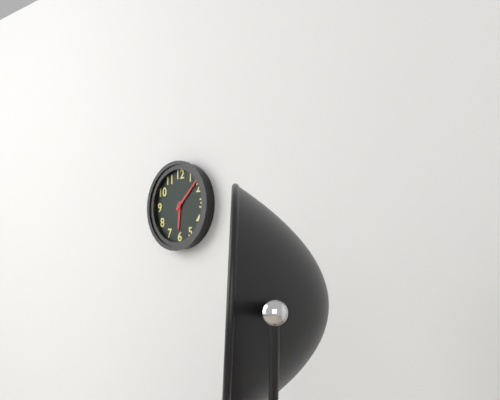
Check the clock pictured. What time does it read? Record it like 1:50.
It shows 6:08
